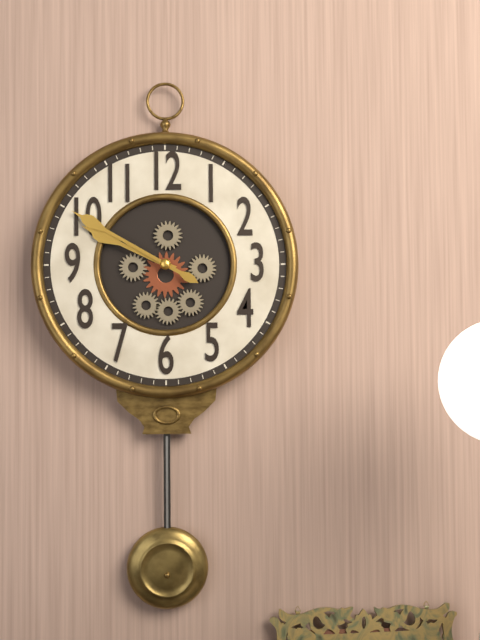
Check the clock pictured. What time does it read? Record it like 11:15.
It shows 9:50
